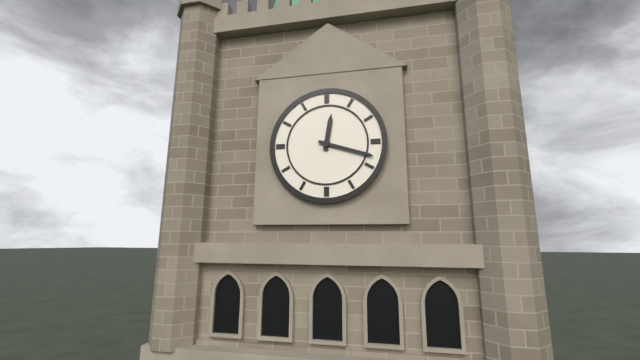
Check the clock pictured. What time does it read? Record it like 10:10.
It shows 12:18
